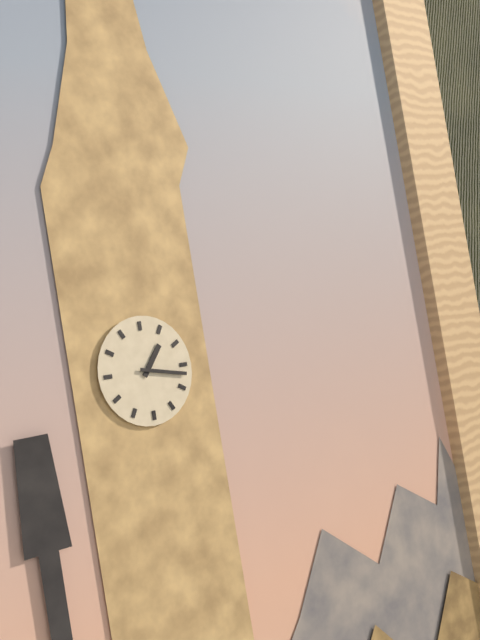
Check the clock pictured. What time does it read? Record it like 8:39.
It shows 1:17
